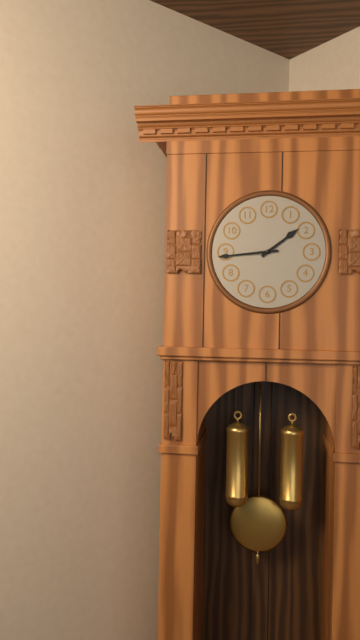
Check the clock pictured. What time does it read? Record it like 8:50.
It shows 1:44
